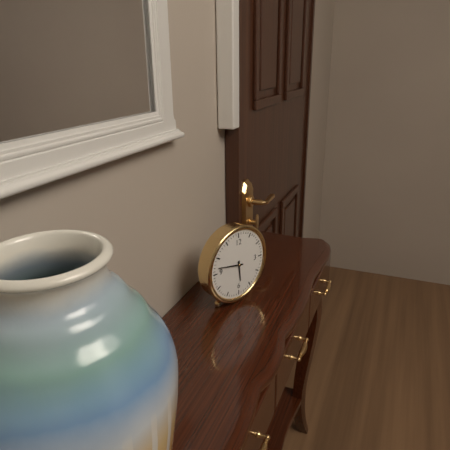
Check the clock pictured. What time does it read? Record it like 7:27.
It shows 5:47
